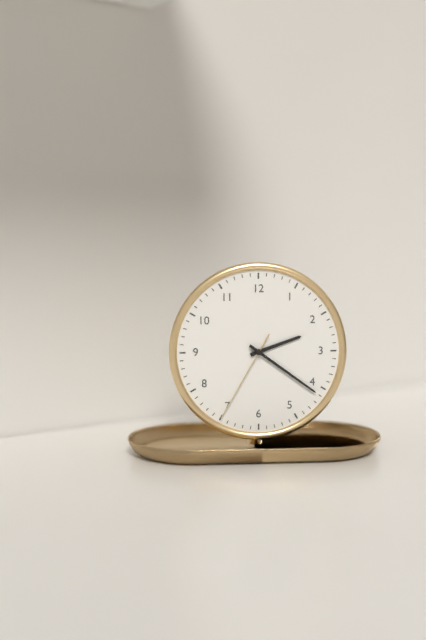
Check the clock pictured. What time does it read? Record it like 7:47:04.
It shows 2:21:35
